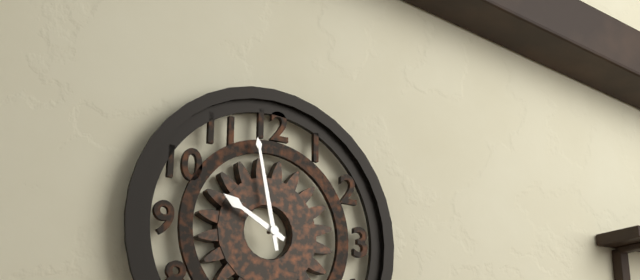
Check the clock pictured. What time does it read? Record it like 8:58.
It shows 9:58
